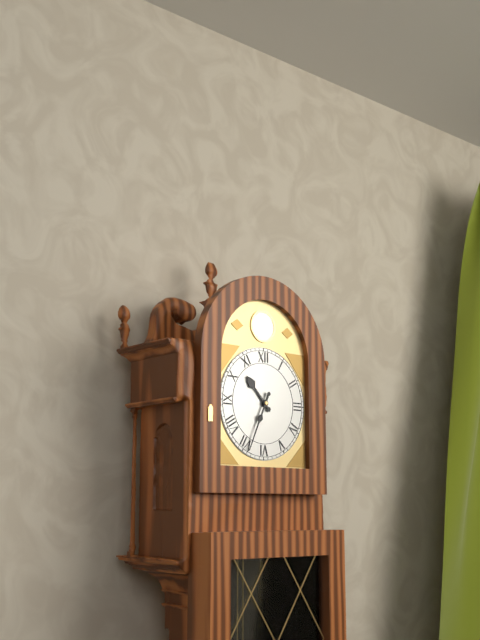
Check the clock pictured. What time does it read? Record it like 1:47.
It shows 10:34
